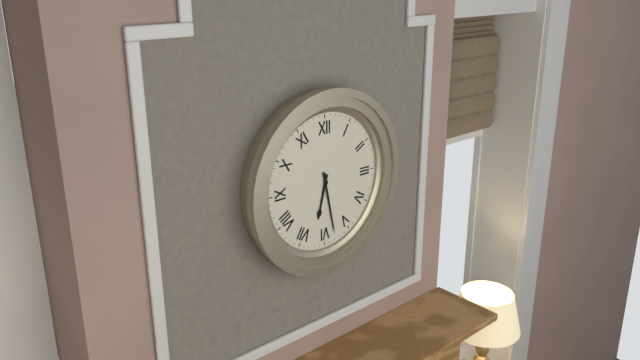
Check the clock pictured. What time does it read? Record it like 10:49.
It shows 6:28
